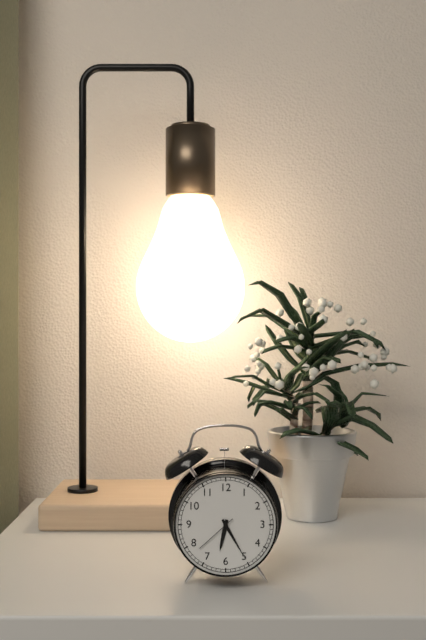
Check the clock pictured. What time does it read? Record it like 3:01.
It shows 6:25
